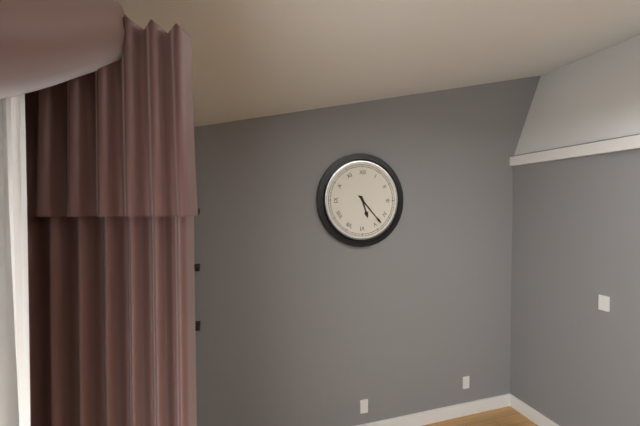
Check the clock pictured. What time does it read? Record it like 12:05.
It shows 5:23
